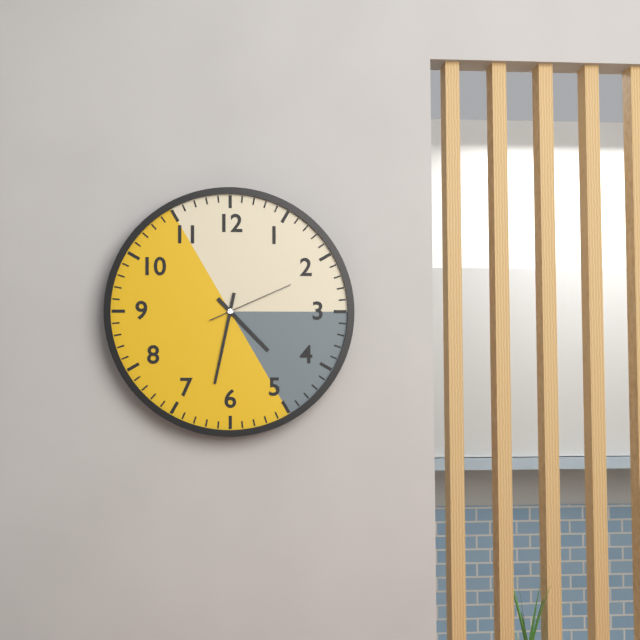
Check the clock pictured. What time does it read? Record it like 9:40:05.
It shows 4:32:11
